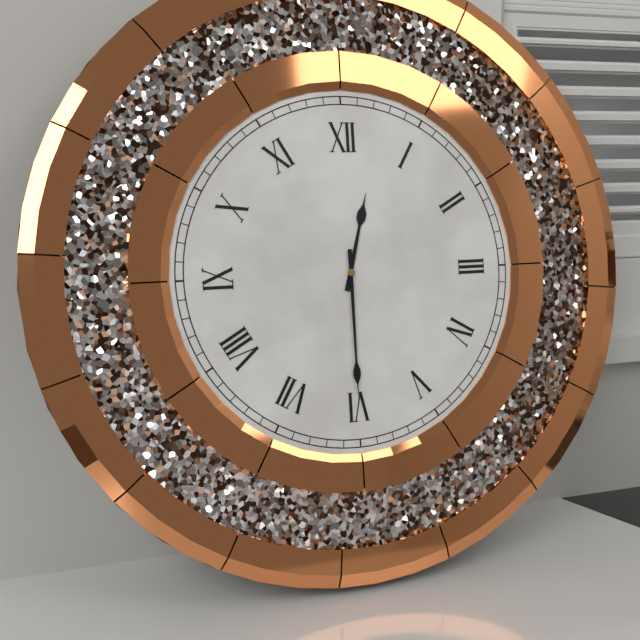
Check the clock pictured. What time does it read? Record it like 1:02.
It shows 12:30
